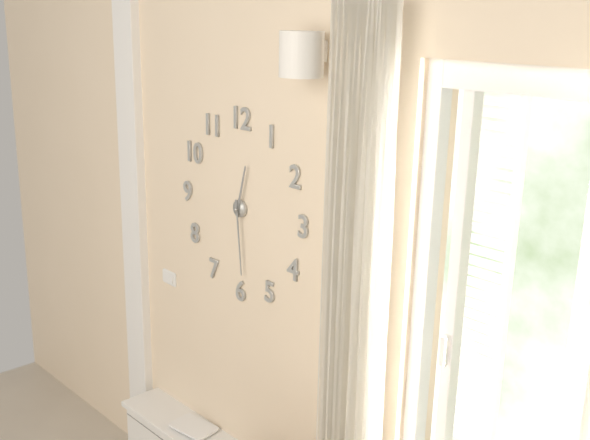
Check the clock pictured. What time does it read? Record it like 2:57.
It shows 12:29
